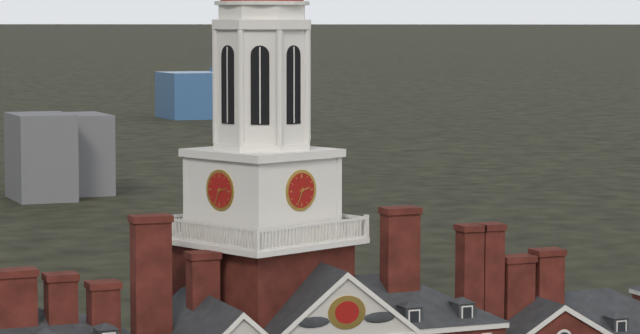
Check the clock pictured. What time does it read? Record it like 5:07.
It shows 2:34
